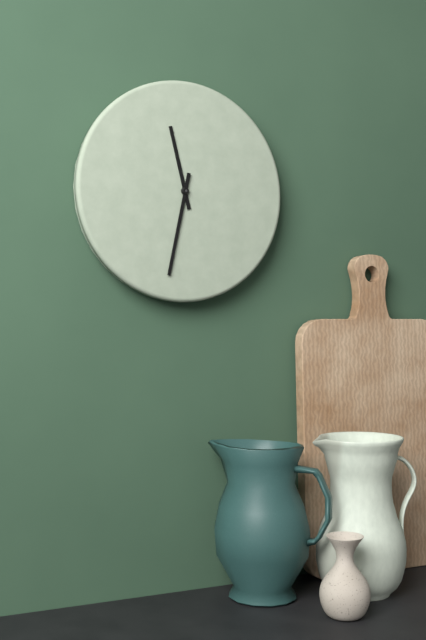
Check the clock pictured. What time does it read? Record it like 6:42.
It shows 11:32
